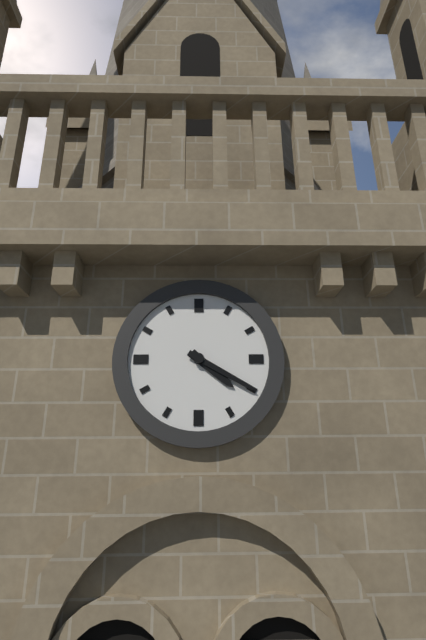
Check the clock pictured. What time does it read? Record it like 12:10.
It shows 4:20
